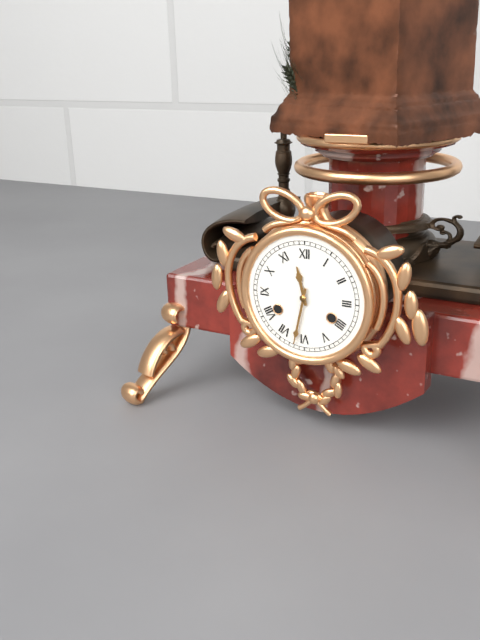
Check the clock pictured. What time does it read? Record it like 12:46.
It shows 11:32
